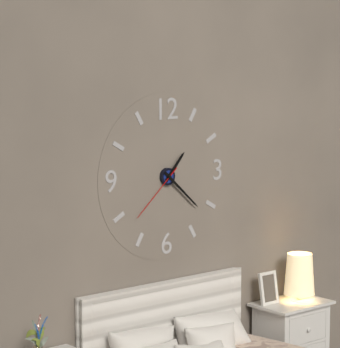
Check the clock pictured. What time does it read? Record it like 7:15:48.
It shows 1:22:38
